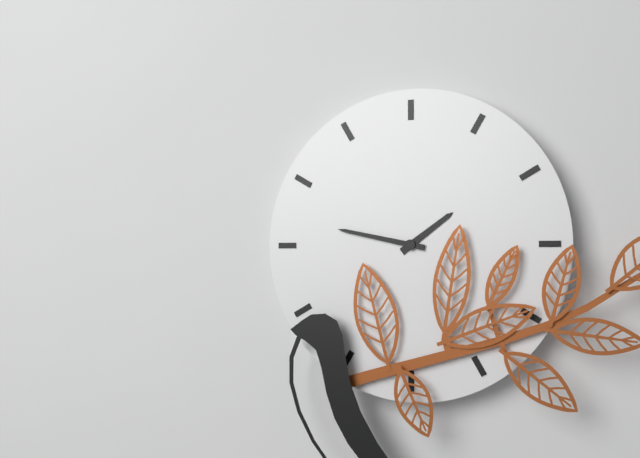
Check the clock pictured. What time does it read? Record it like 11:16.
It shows 1:47
